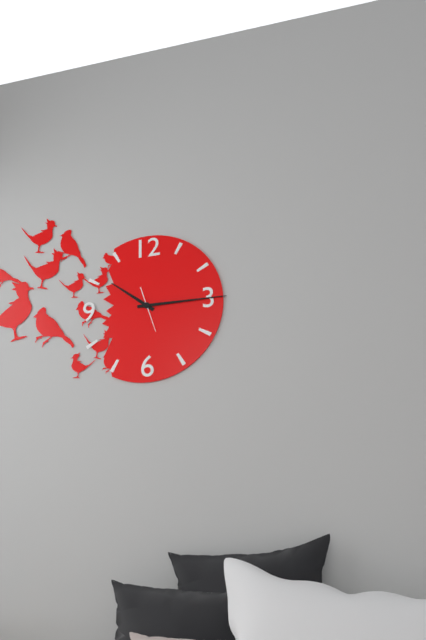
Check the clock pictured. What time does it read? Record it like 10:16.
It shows 10:15
